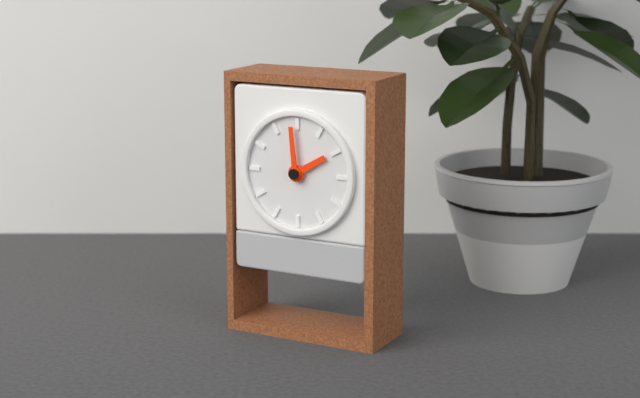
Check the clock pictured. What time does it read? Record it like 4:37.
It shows 1:59
